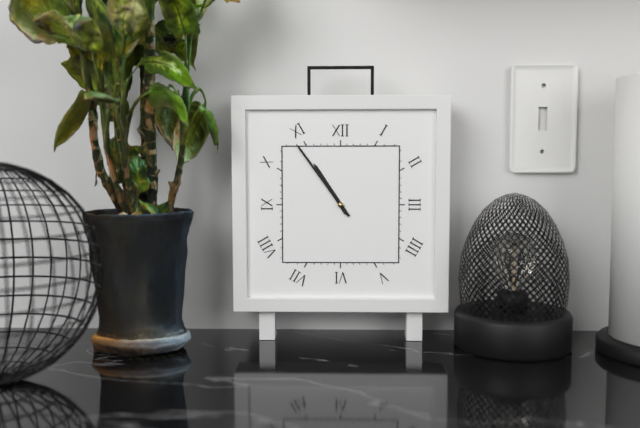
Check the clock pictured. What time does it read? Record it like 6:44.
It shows 10:54
